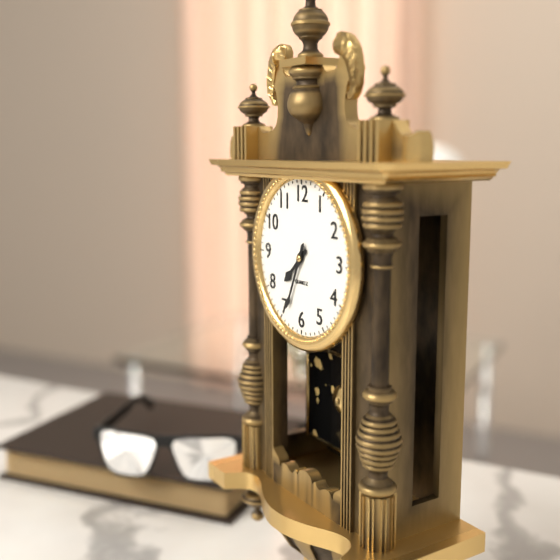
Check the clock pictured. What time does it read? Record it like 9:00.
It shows 7:34
